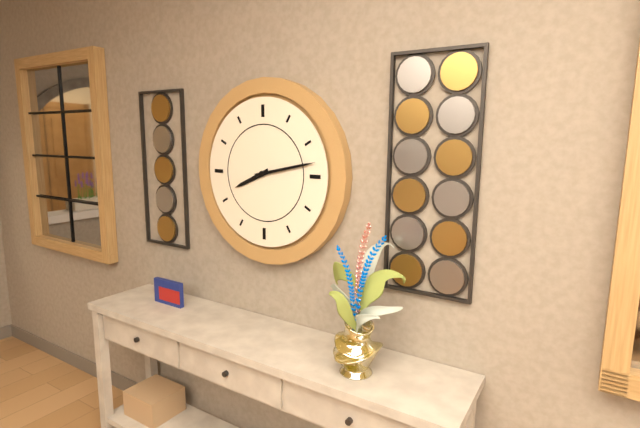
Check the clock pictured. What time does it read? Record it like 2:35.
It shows 8:13
